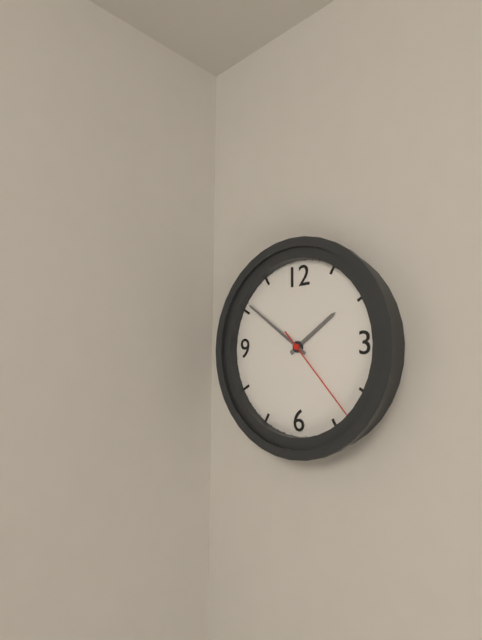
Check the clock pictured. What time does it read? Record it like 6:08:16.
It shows 1:51:23
